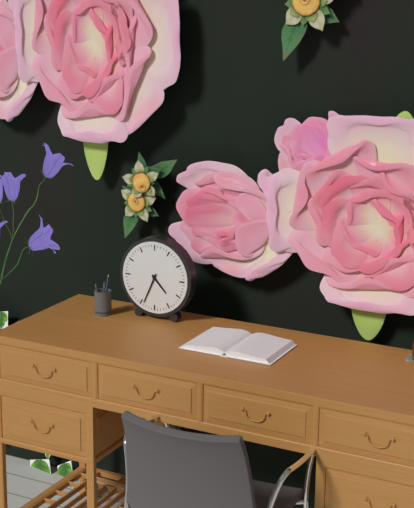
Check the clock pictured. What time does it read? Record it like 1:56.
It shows 4:34
